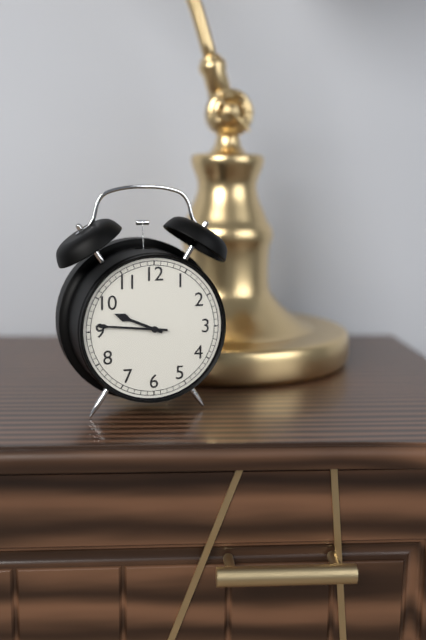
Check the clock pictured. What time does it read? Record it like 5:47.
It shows 9:46
